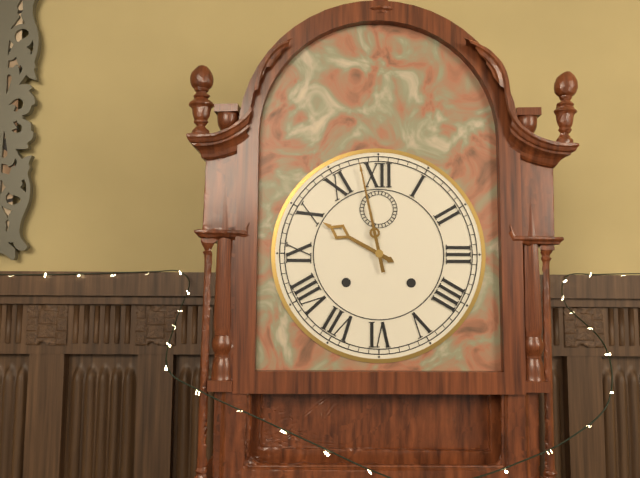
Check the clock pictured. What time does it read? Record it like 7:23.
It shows 9:58
